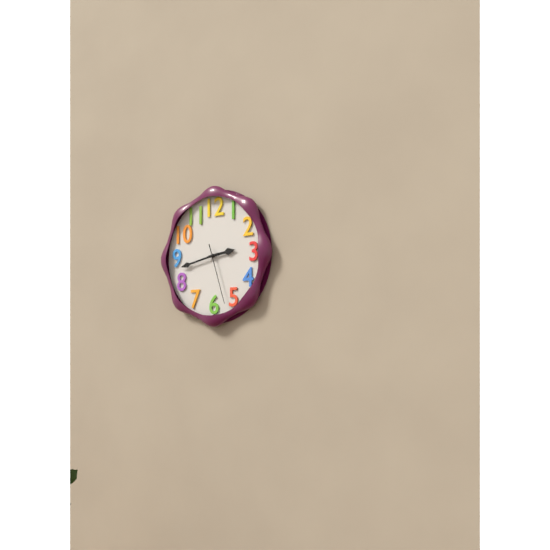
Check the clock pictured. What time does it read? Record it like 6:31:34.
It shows 2:43:27
